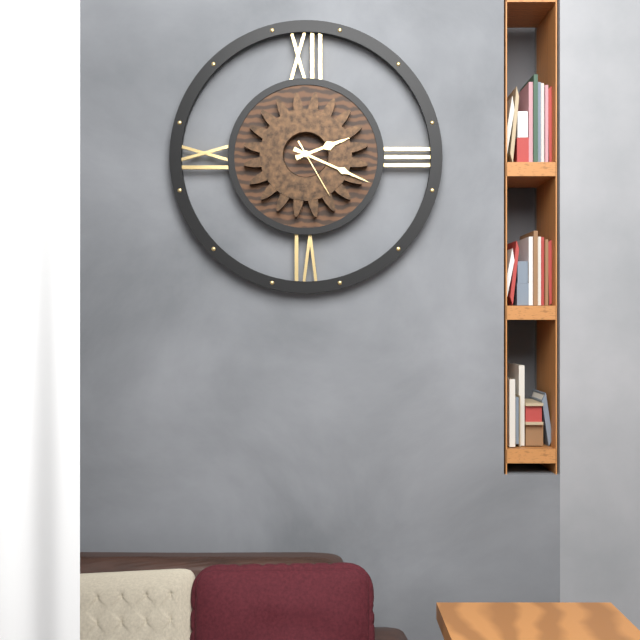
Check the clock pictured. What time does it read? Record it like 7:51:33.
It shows 2:19:25
